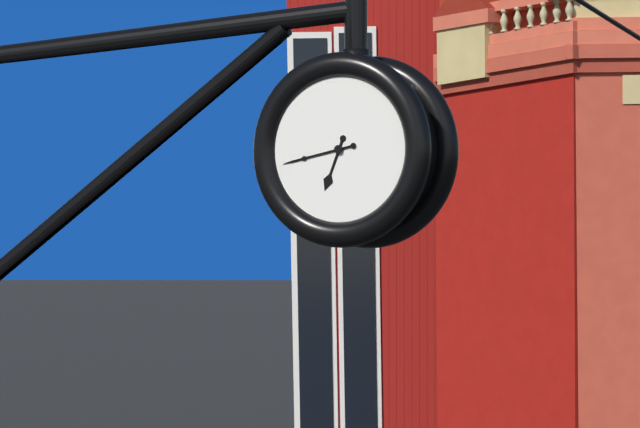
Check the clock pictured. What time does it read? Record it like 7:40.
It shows 6:43
